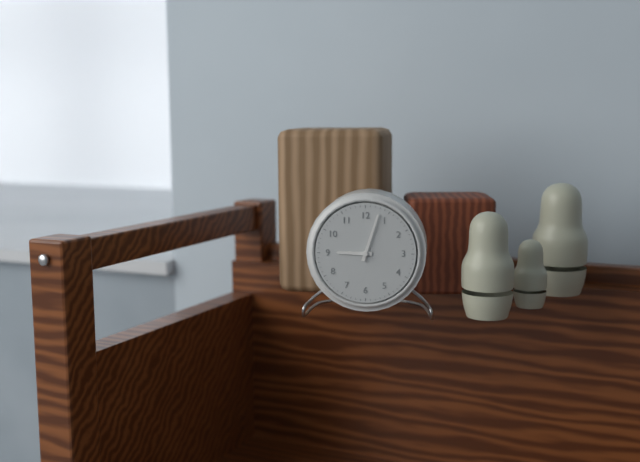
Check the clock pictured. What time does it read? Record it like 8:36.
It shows 9:03
